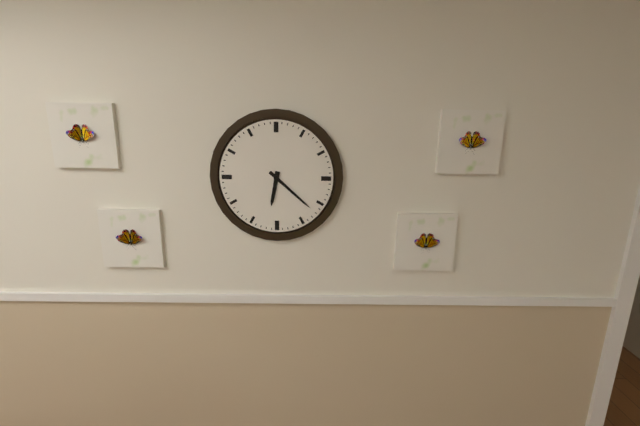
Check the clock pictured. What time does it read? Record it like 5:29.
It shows 6:22
